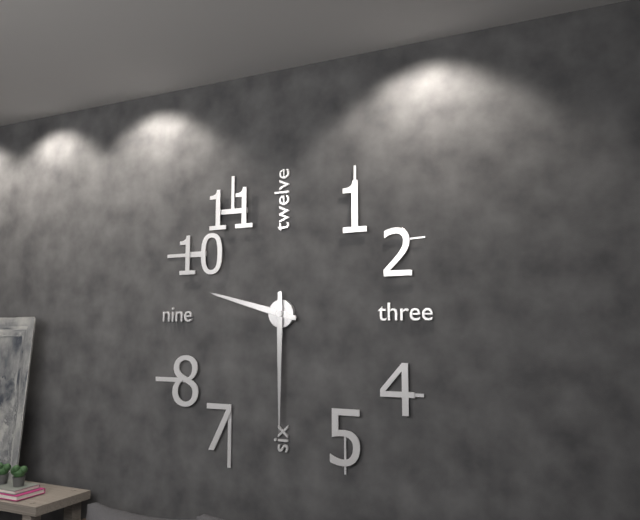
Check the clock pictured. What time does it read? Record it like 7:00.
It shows 9:30
